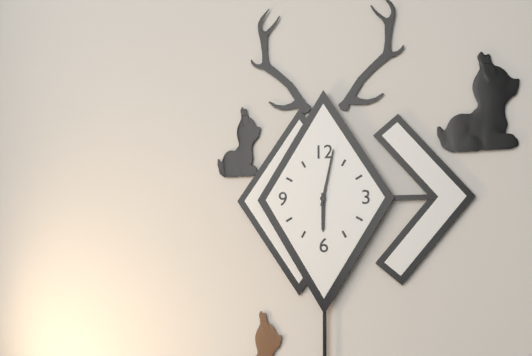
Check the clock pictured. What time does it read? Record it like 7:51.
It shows 6:02
